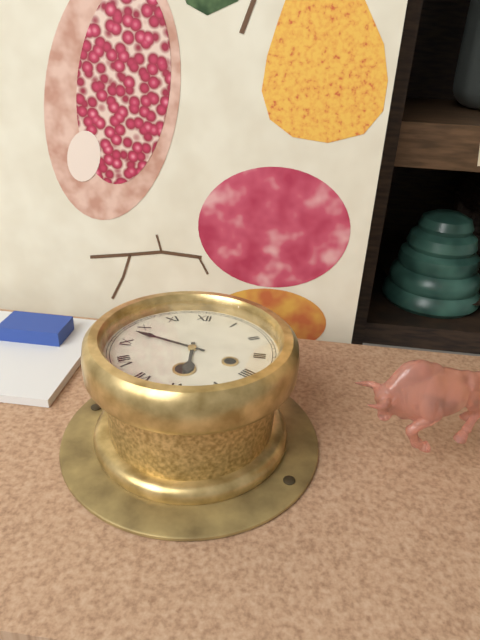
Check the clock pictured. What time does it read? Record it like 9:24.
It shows 5:48
